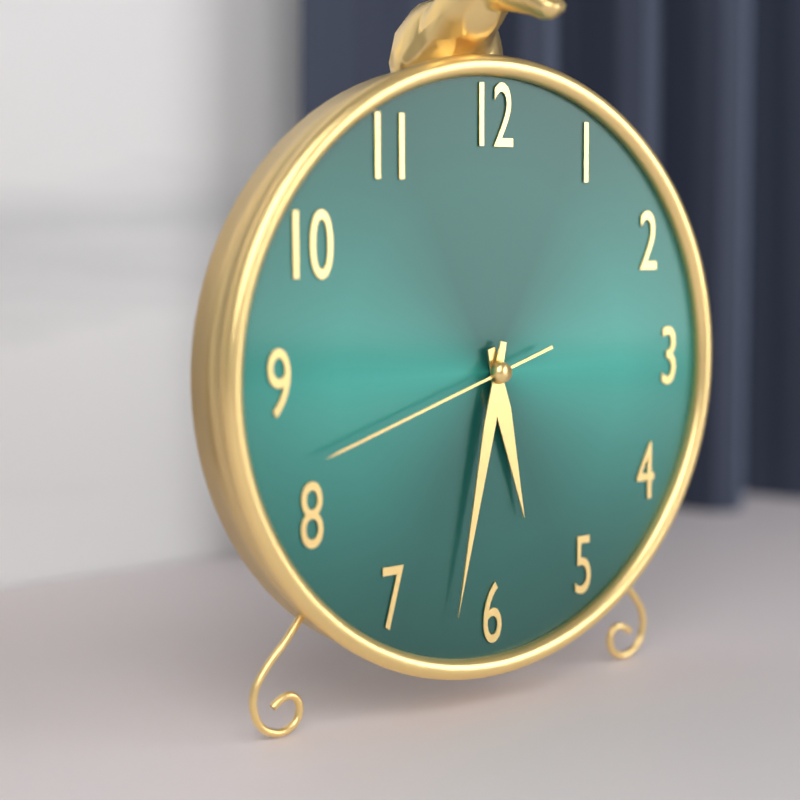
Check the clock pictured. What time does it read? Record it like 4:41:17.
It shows 5:32:42
